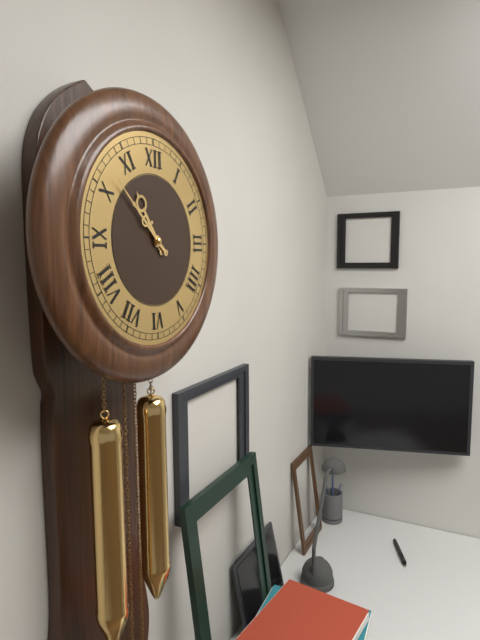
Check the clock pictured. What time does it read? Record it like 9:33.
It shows 10:52
